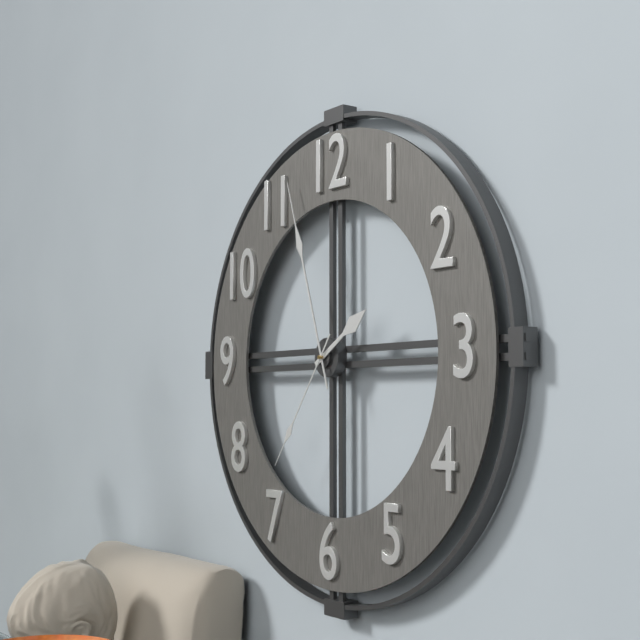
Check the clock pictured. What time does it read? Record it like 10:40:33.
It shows 1:57:36
